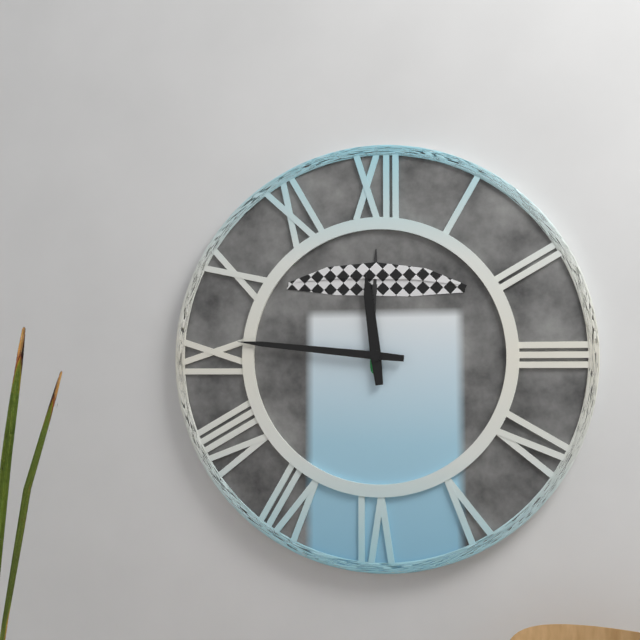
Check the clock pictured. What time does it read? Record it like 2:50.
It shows 11:46
